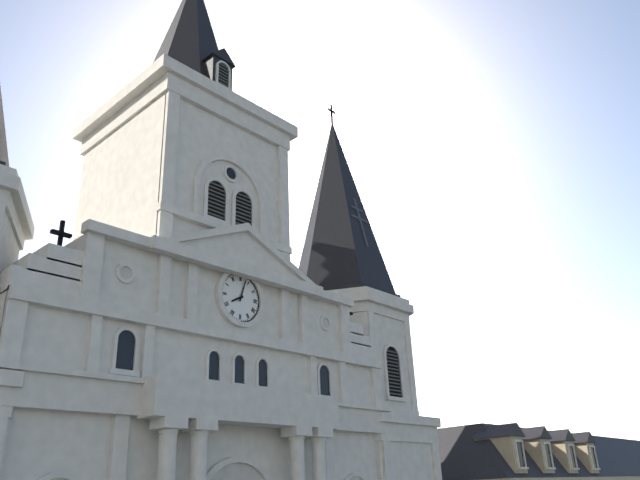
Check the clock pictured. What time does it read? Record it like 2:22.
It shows 8:03
